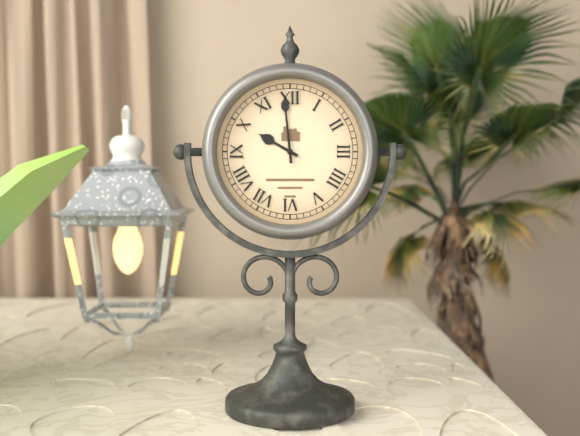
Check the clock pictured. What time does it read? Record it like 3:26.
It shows 9:59
